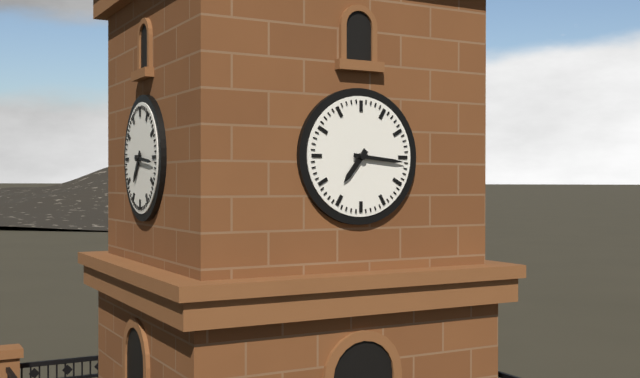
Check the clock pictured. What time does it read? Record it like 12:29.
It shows 7:16
